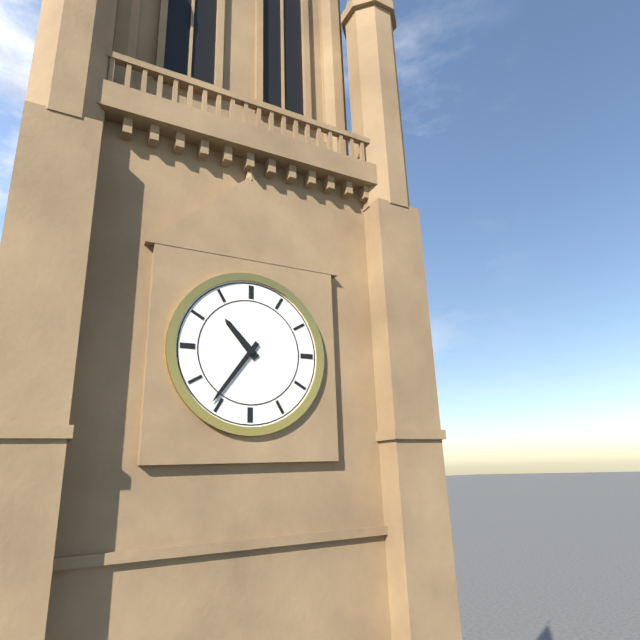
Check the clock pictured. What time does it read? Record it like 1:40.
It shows 10:36
